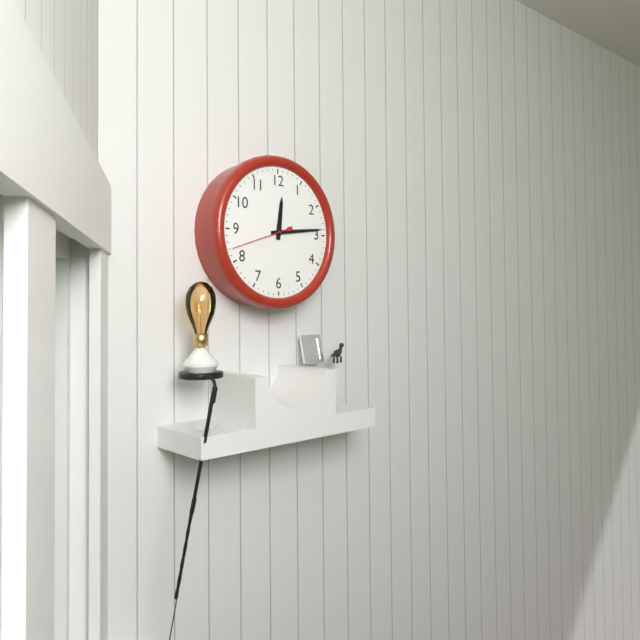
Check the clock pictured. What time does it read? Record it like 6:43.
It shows 12:14
